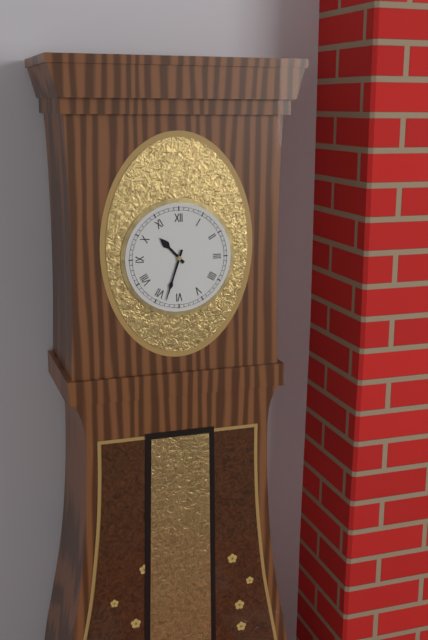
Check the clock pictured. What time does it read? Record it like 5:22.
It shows 10:33
